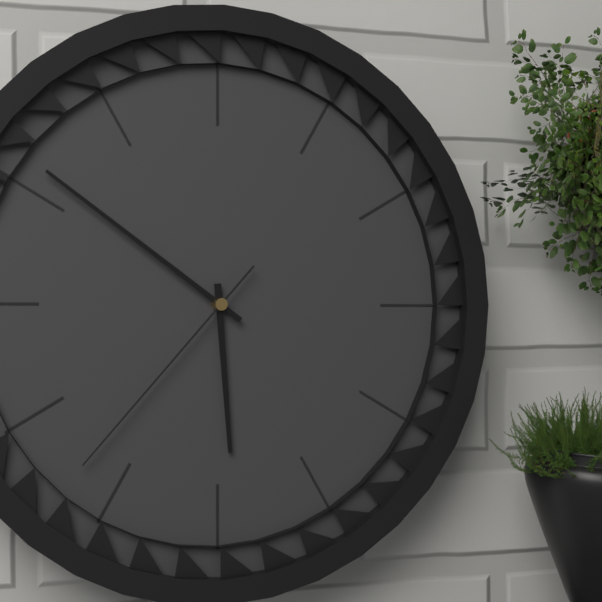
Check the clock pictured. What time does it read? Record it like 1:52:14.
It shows 5:51:37
